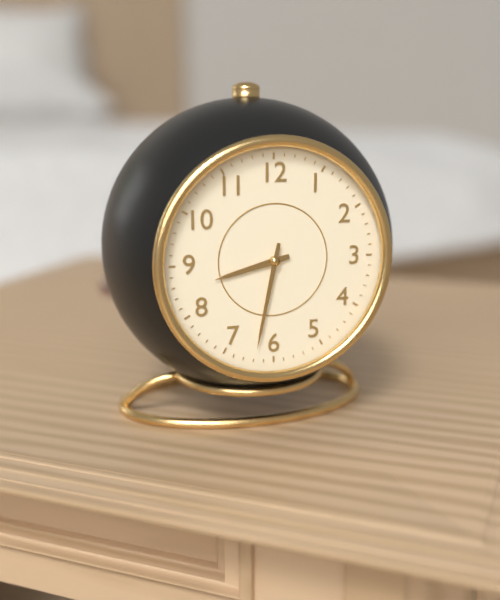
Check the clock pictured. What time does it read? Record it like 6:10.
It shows 8:32
